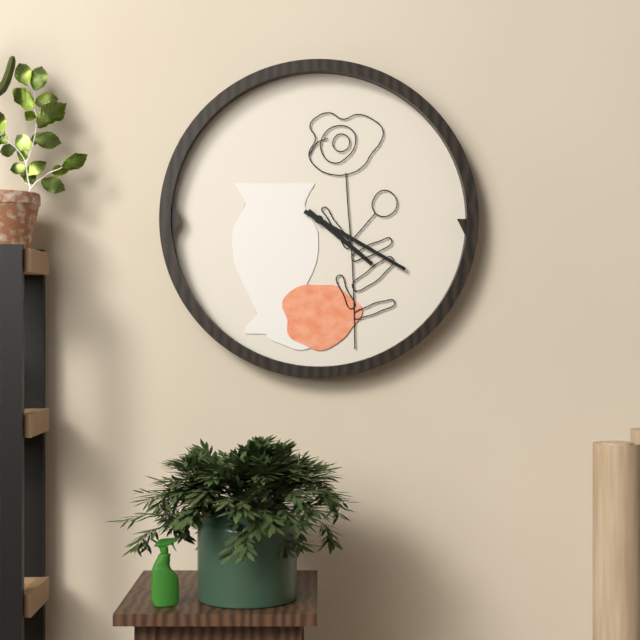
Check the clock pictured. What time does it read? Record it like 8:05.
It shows 4:20
